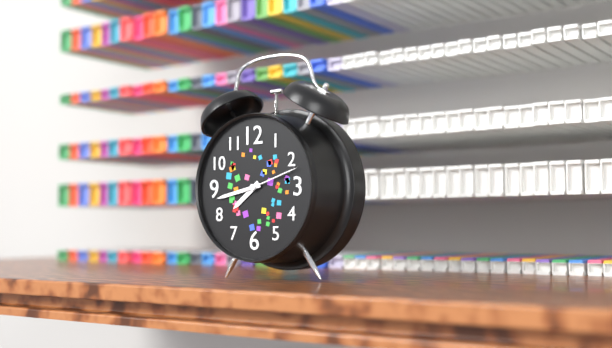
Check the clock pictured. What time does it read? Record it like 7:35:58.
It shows 7:43:12
